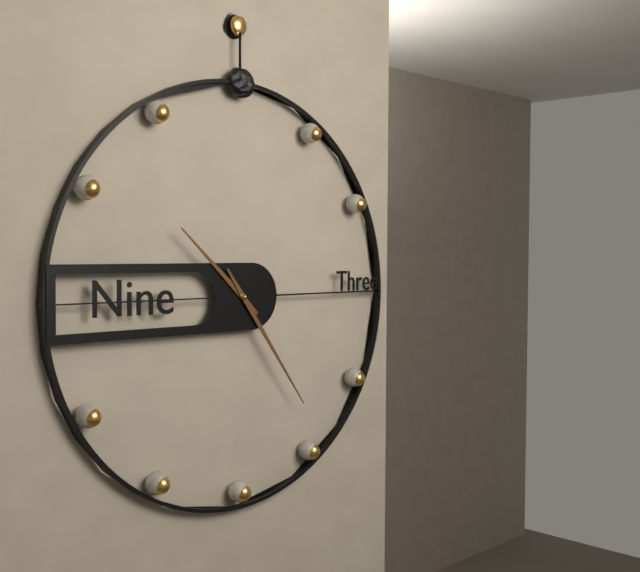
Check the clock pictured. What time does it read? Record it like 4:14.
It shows 10:24
